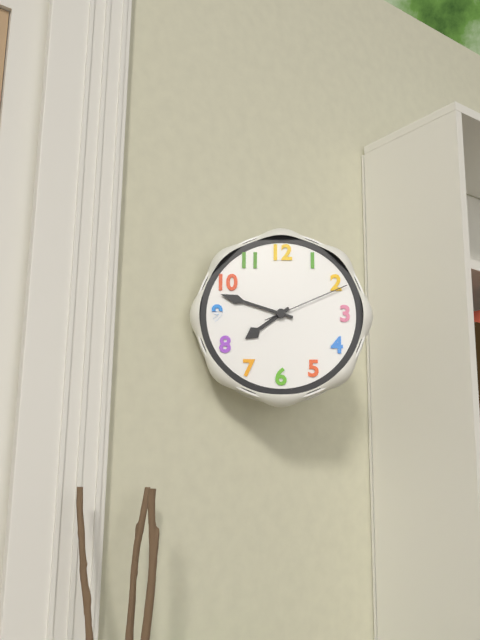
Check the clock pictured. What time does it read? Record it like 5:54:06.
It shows 7:48:11
